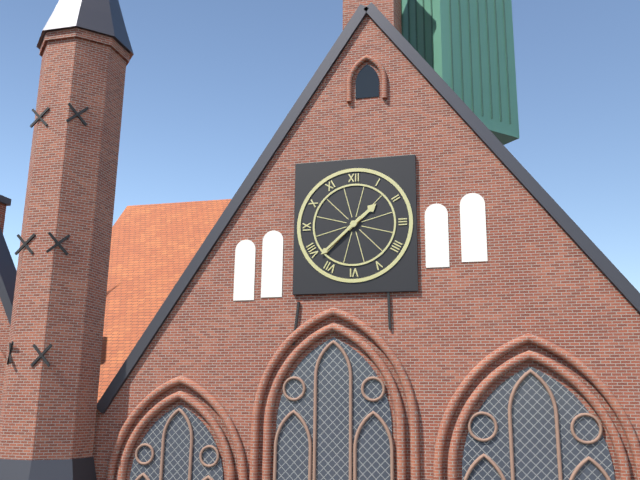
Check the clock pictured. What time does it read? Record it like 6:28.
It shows 1:38
